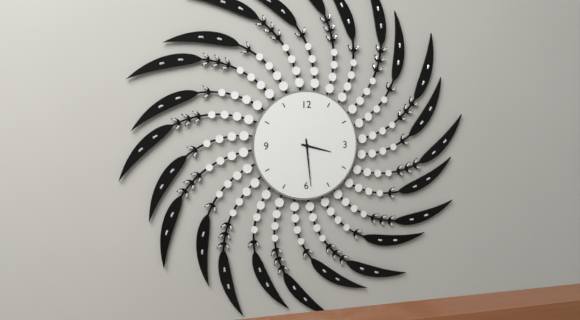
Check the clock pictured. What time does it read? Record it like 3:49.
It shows 3:29
